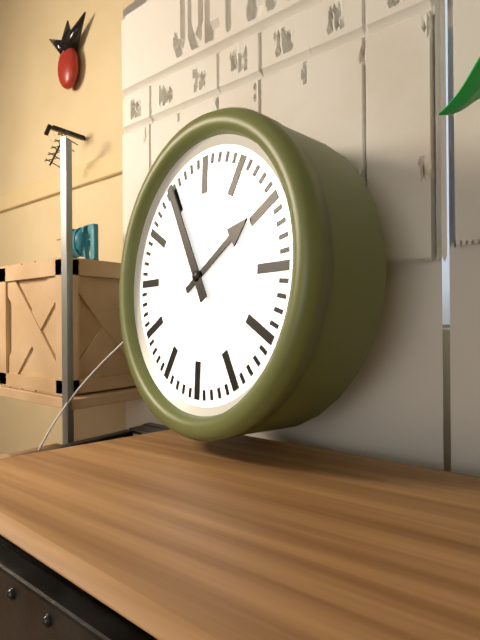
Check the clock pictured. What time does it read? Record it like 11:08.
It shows 1:55
